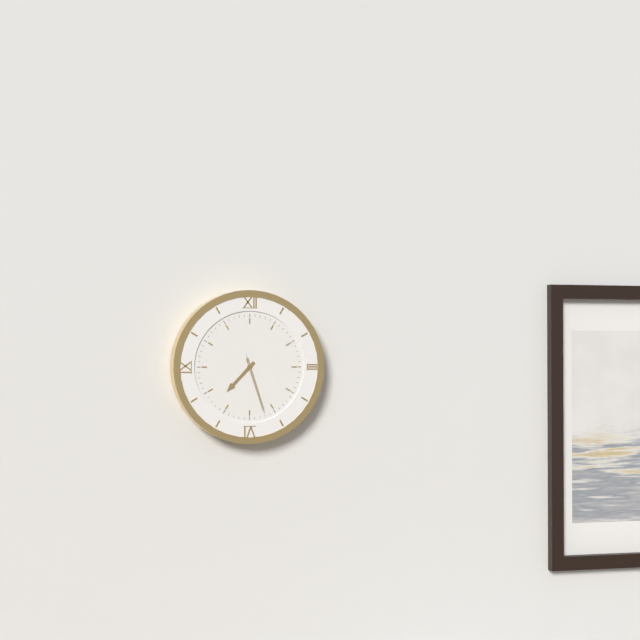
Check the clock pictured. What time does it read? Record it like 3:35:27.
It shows 7:27:27
